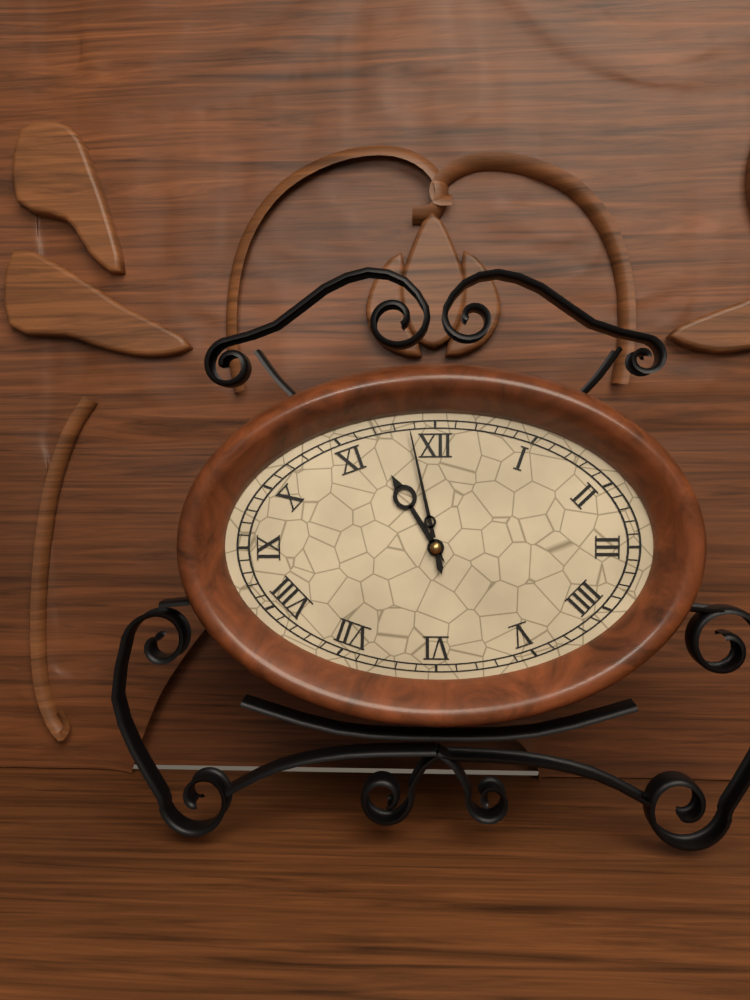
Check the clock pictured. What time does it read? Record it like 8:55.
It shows 10:58
